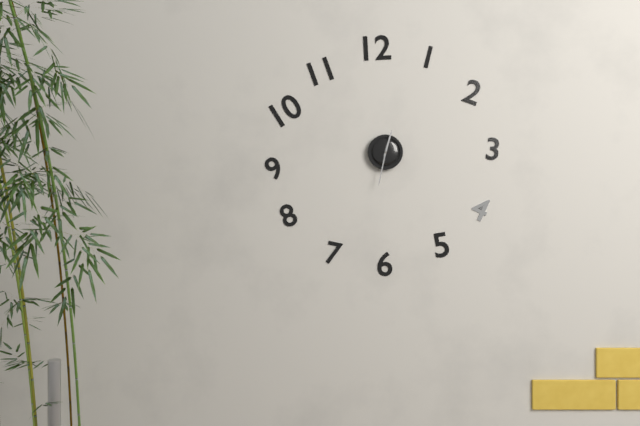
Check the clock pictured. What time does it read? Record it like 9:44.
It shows 12:32
